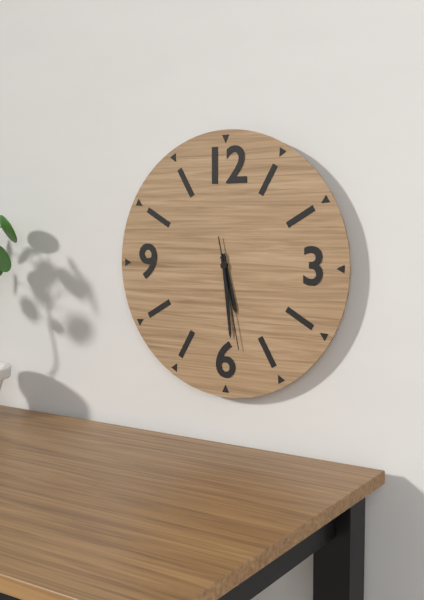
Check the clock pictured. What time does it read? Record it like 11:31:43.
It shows 5:29:28
